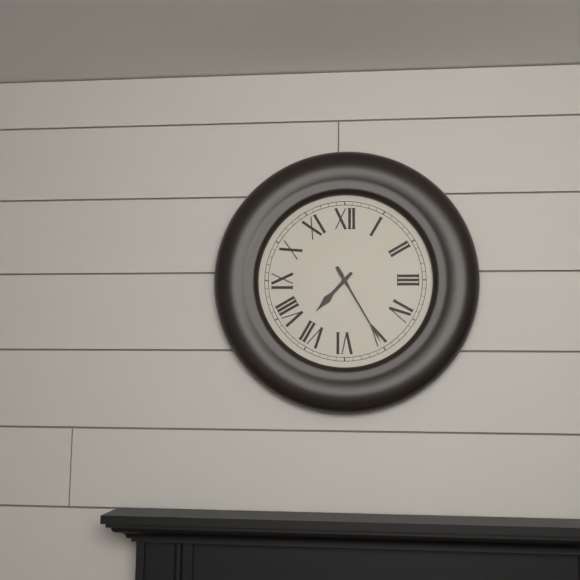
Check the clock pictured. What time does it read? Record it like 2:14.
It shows 7:25
